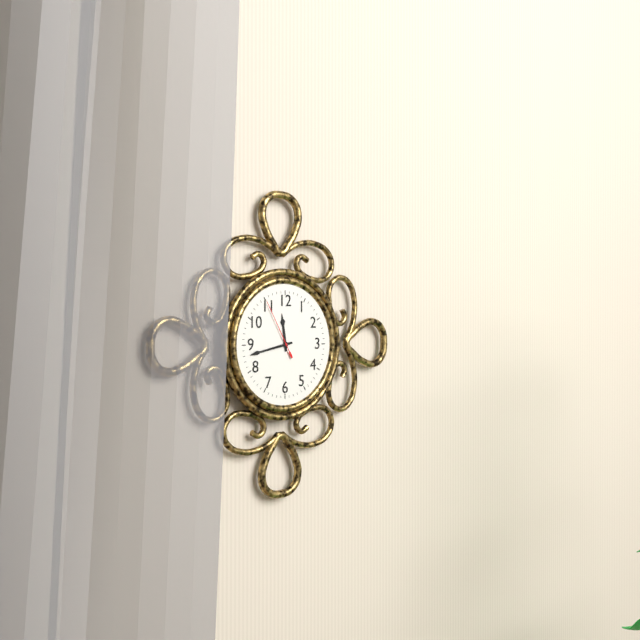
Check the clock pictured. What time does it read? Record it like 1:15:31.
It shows 11:43:55
